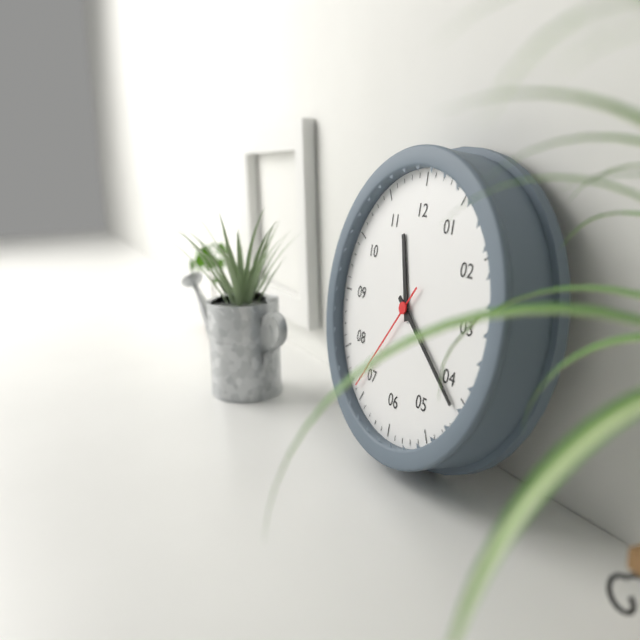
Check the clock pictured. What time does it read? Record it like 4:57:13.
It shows 11:21:36
